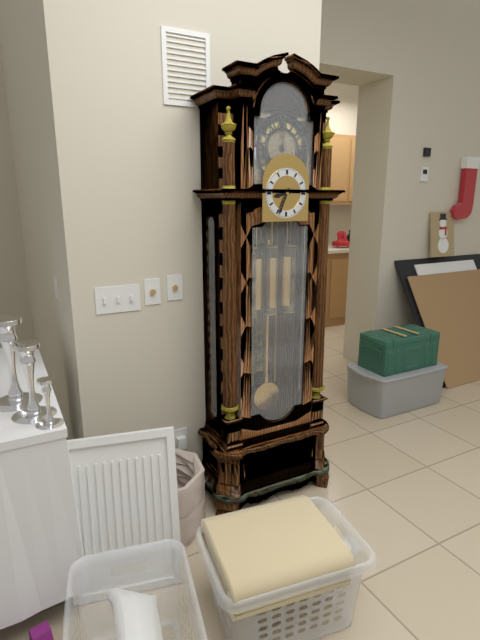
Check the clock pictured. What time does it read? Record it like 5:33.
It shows 8:34
